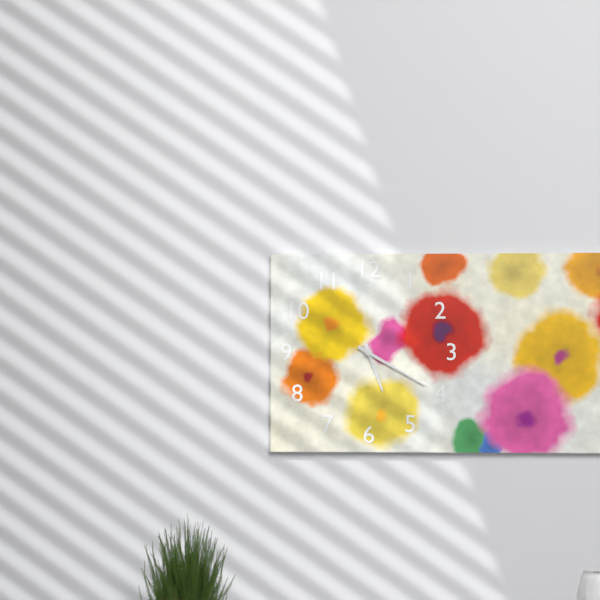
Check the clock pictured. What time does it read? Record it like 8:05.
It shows 5:20
